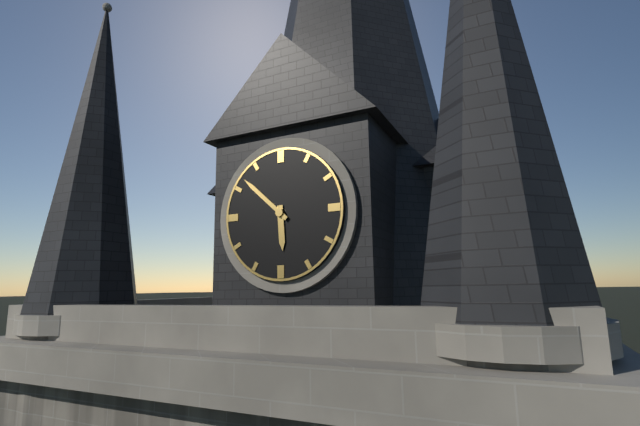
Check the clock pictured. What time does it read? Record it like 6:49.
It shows 5:52
